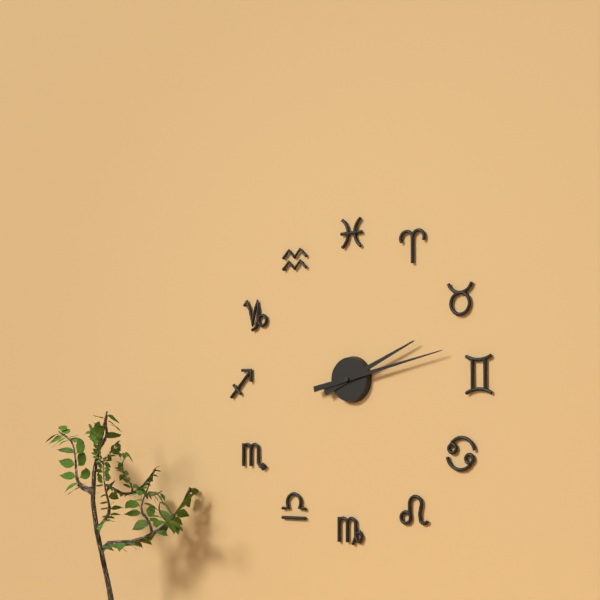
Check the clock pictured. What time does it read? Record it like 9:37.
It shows 2:13
